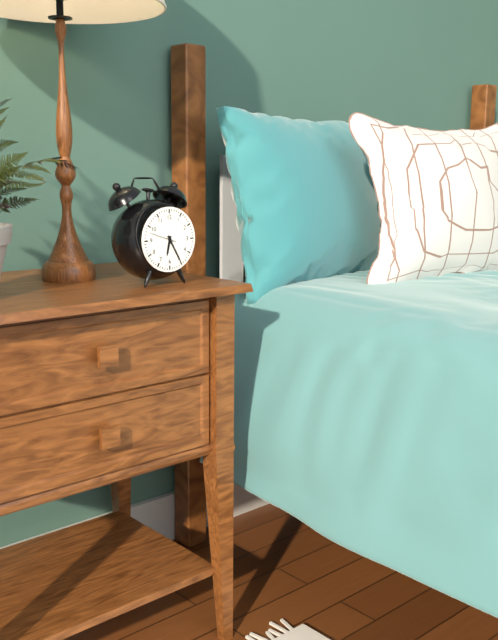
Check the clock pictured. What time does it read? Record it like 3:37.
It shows 6:25
